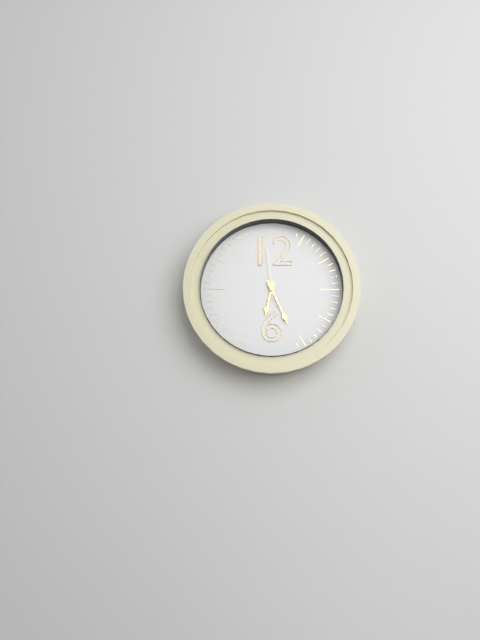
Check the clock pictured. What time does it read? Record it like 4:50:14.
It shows 6:26:59
